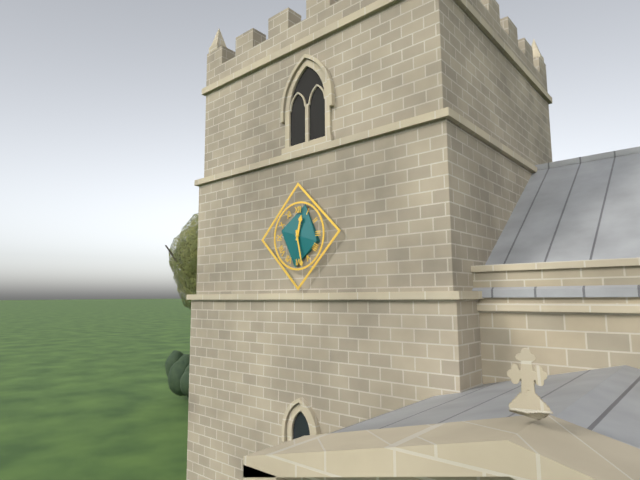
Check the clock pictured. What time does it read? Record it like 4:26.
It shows 12:28
